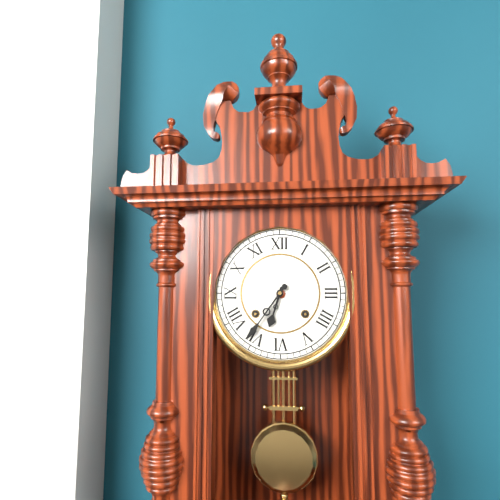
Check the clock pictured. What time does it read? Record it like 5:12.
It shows 6:36
